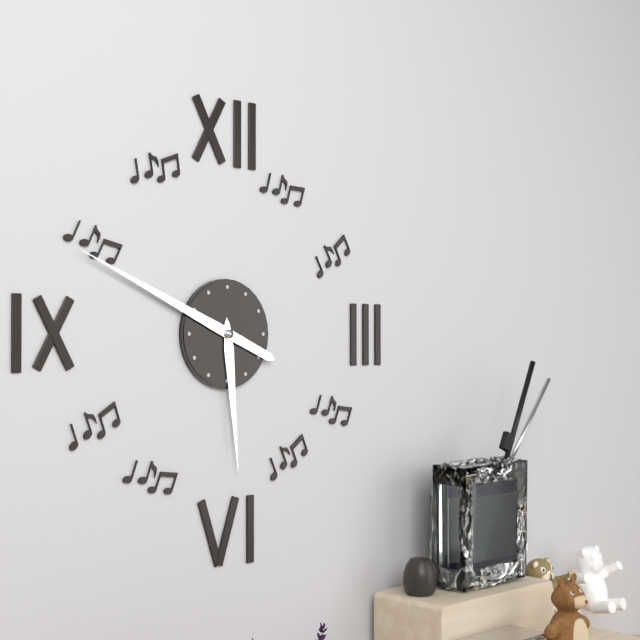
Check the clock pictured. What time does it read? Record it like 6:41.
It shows 5:49
